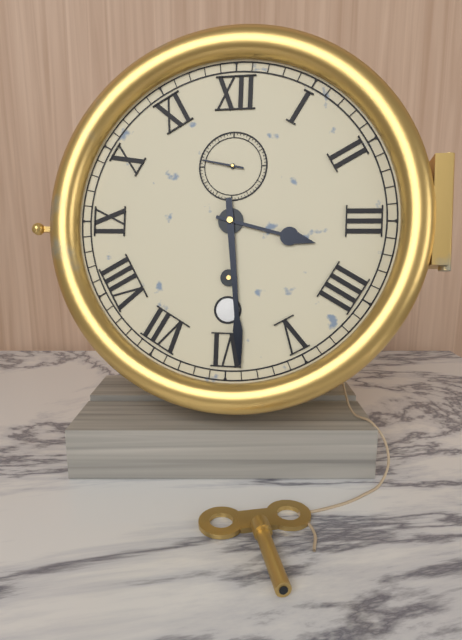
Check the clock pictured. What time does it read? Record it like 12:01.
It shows 3:29
